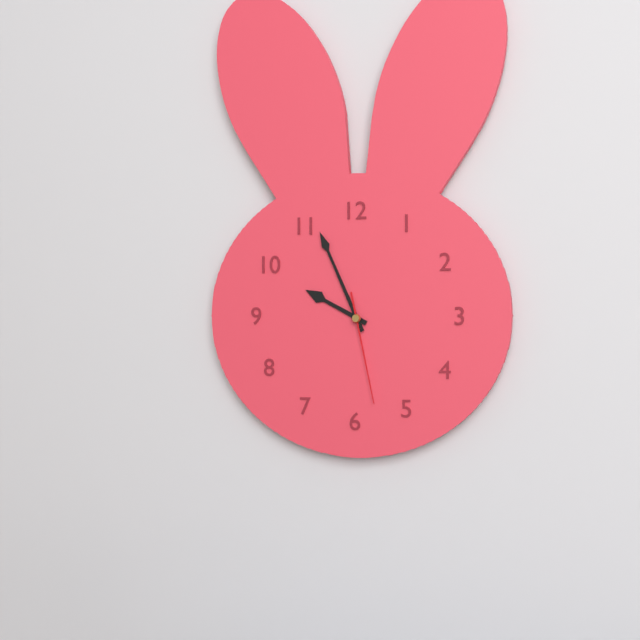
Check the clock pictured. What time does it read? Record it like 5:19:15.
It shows 9:56:28
